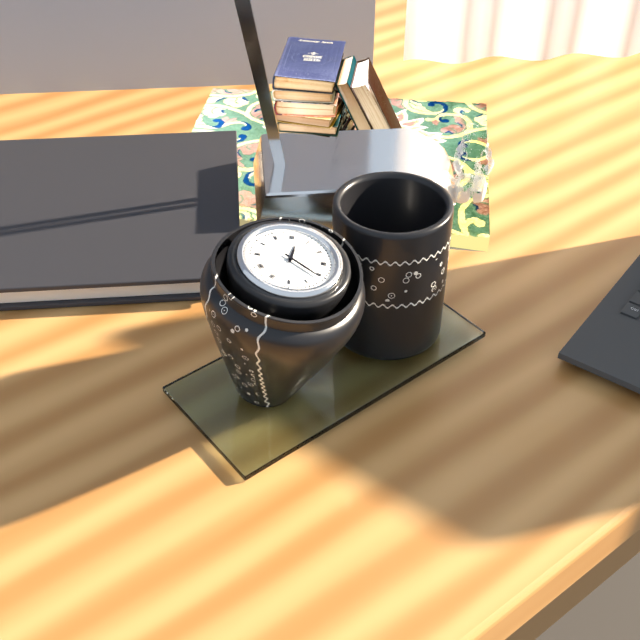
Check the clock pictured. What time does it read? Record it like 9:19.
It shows 12:21
